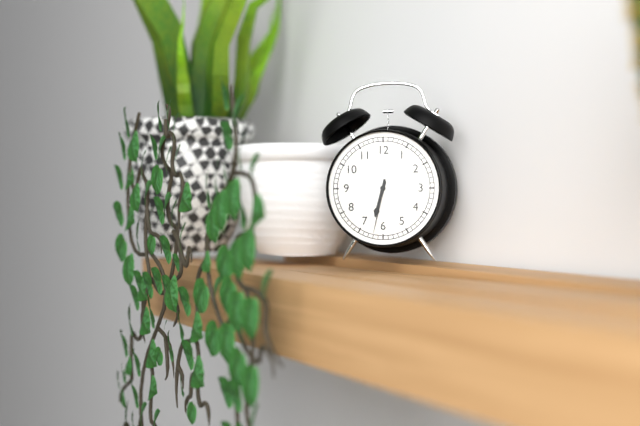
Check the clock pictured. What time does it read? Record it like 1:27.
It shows 6:32
